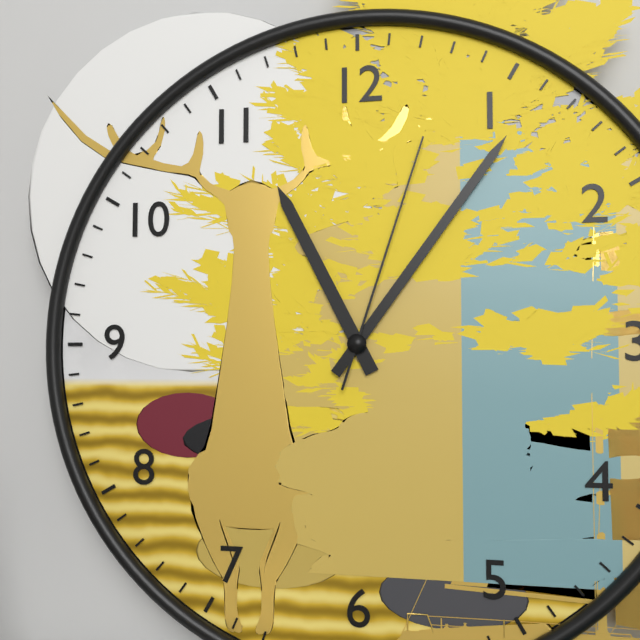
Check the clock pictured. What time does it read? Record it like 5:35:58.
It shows 11:06:03
